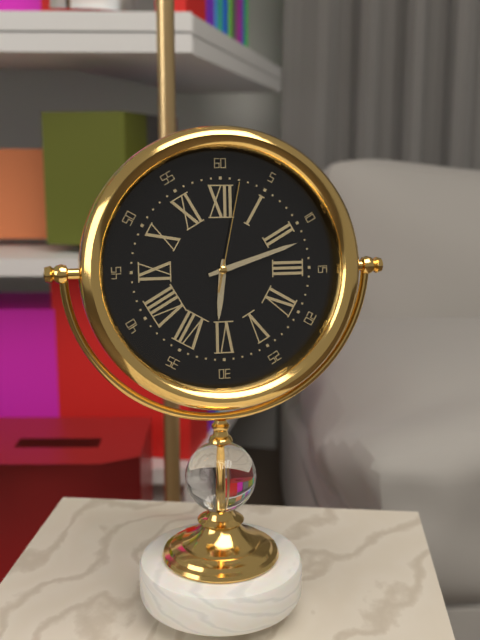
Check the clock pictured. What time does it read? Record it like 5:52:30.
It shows 6:12:02
